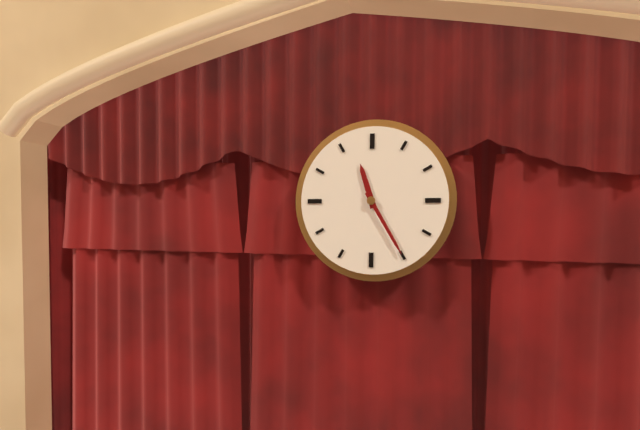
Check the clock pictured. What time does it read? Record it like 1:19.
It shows 11:25
